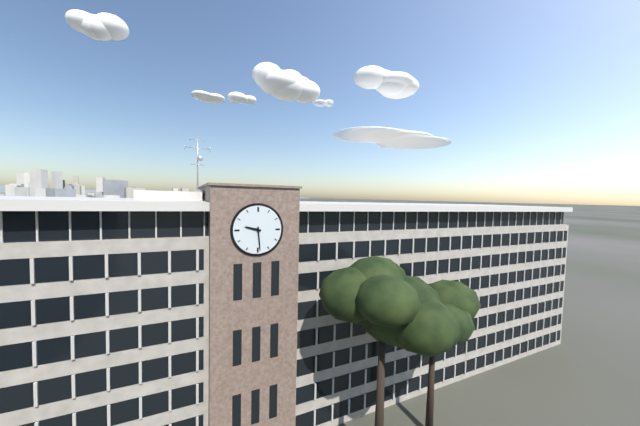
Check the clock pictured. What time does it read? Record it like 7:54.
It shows 9:29
